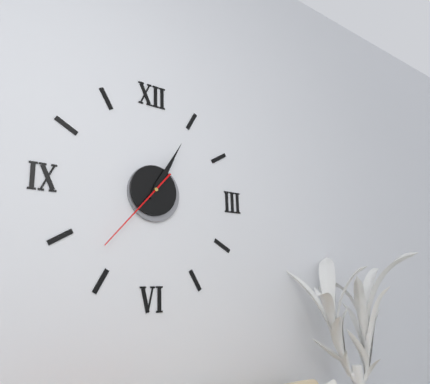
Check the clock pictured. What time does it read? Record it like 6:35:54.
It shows 1:05:37
